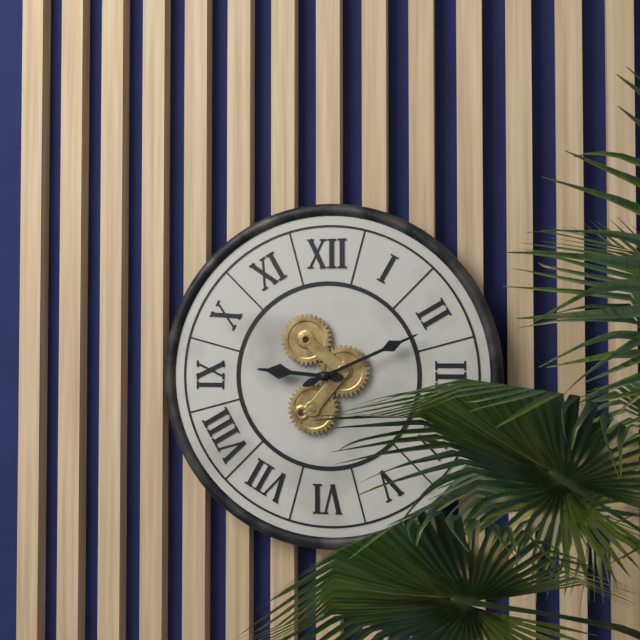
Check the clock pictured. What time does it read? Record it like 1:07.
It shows 9:11
